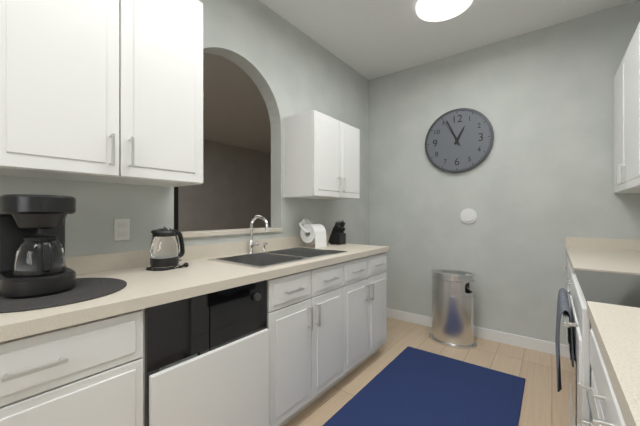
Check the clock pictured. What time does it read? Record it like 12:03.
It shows 12:56
